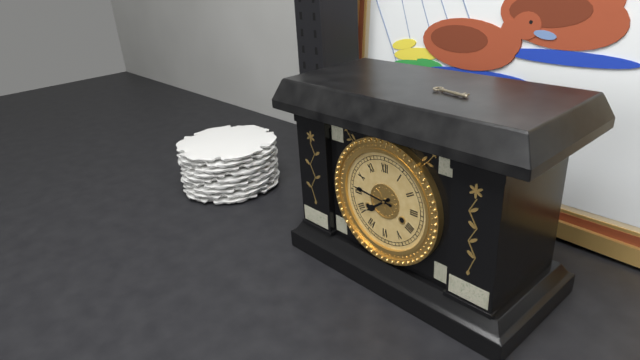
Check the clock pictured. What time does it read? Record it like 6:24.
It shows 7:46
